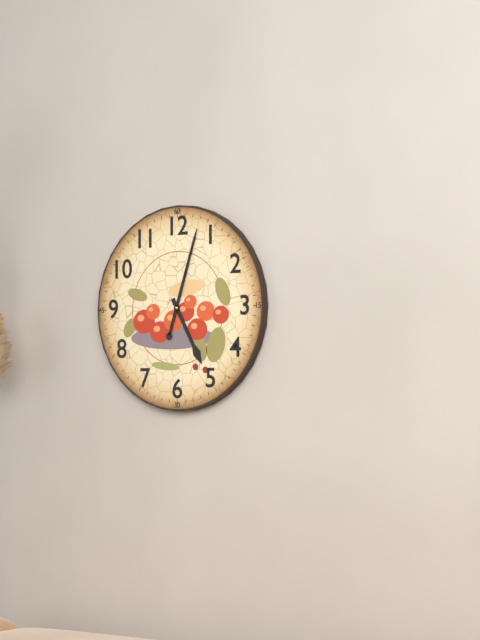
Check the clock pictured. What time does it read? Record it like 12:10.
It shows 5:03
